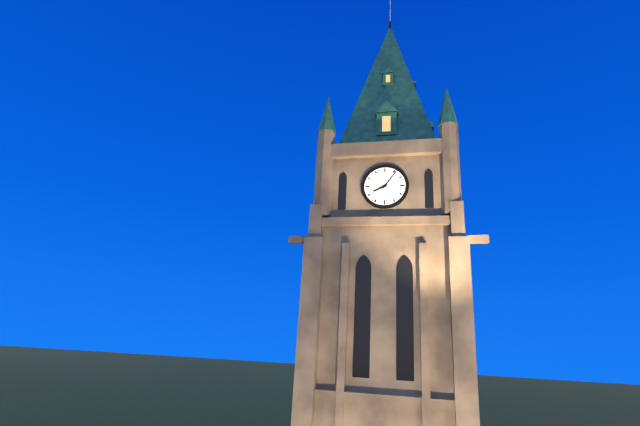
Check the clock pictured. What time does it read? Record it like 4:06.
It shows 8:06
